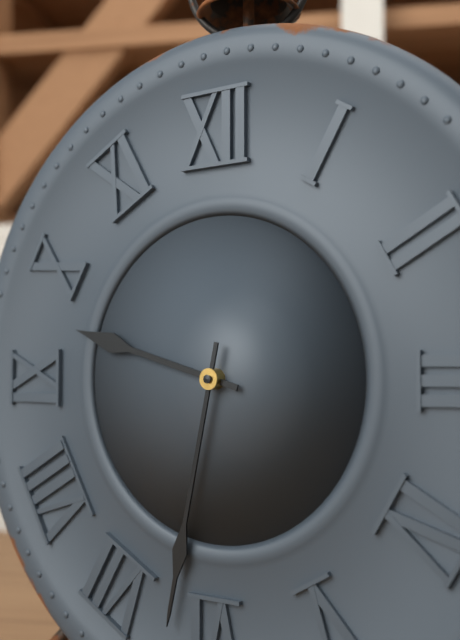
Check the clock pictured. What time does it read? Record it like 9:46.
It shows 9:32
